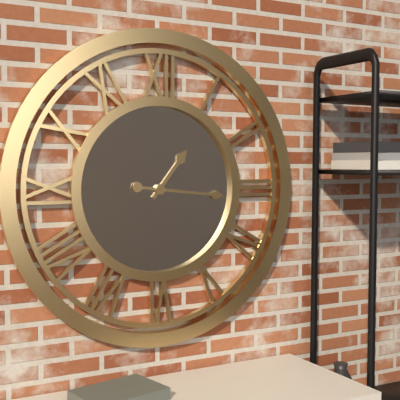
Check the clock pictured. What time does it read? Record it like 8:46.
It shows 1:16
